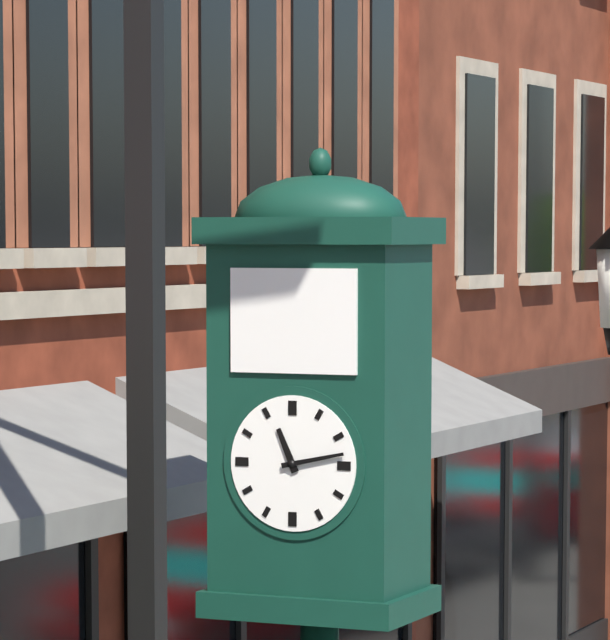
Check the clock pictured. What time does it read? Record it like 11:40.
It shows 11:13
